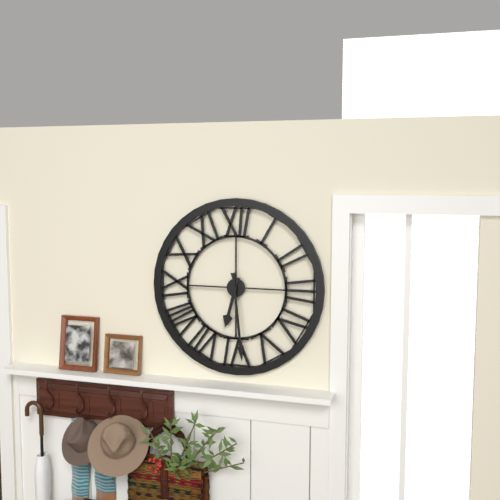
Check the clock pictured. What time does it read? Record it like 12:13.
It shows 6:29
